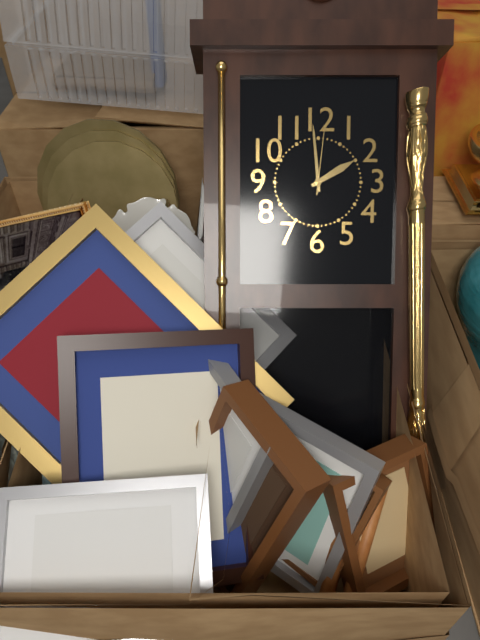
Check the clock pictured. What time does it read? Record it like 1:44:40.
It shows 1:59:01
